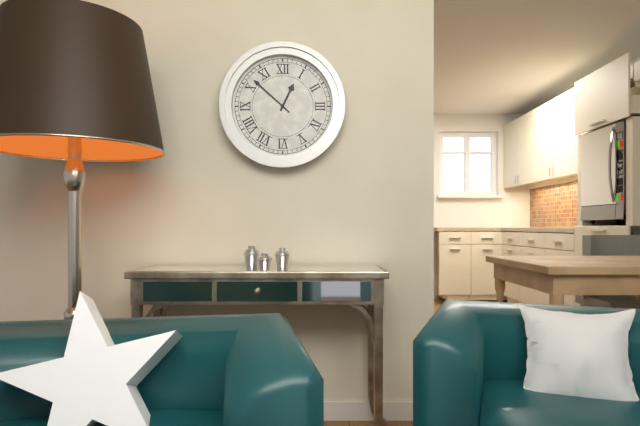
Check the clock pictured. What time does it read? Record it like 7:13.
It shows 12:52
